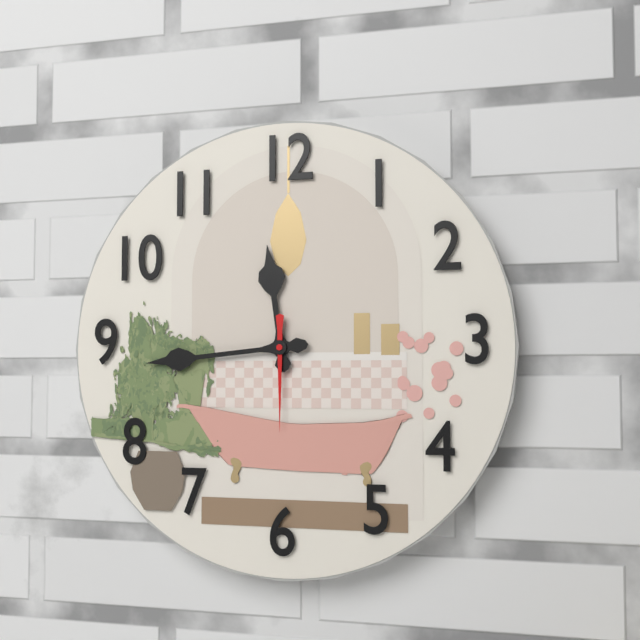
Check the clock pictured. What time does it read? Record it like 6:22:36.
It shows 11:44:30
